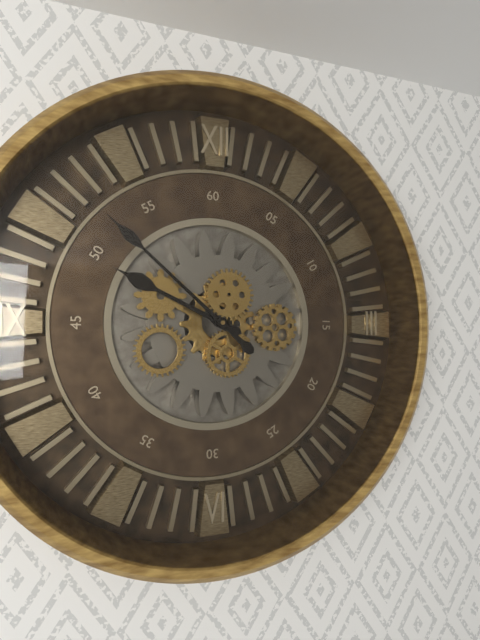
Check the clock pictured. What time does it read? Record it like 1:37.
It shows 9:52
